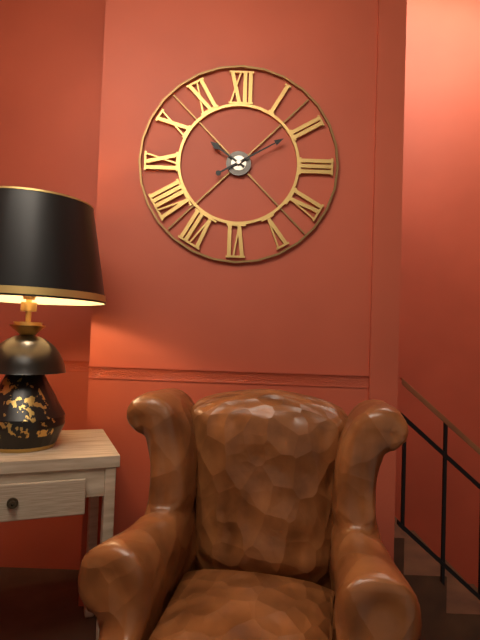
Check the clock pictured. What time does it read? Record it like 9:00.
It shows 10:10
